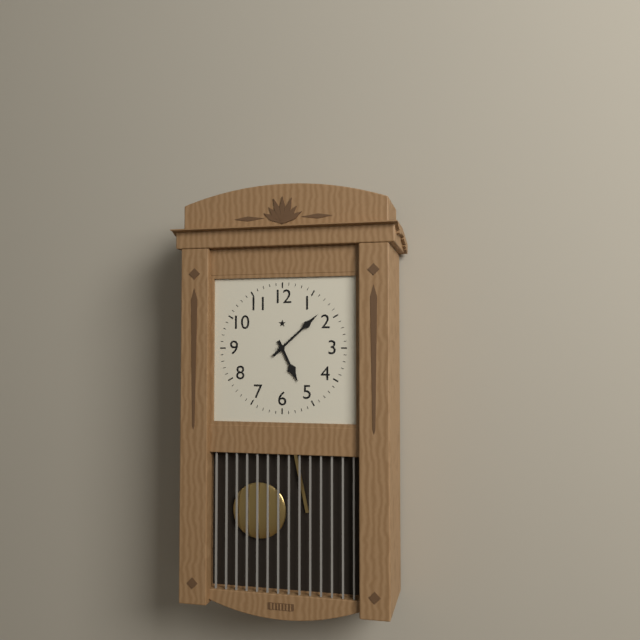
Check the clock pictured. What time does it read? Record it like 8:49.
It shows 5:08
